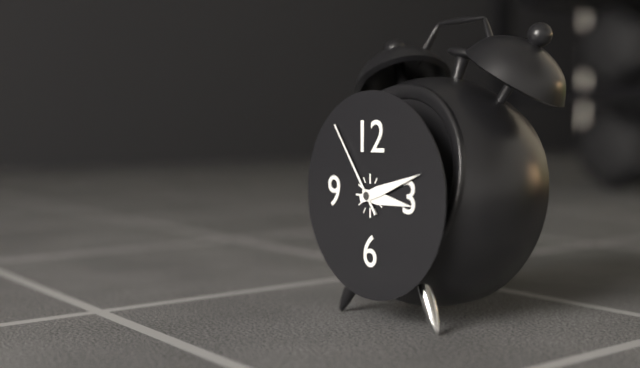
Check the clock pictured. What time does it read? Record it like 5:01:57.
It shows 3:12:54
